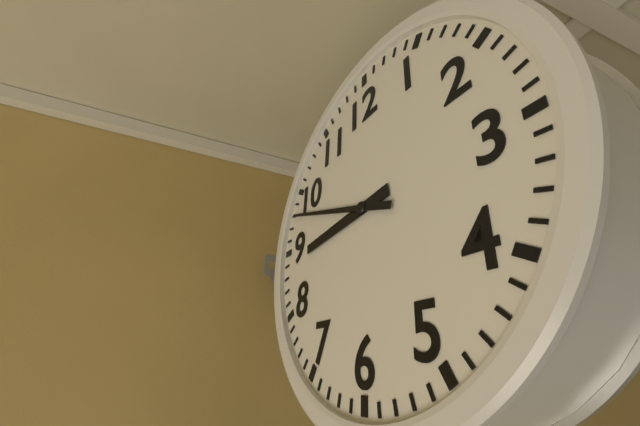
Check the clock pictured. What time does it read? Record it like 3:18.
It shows 8:48
